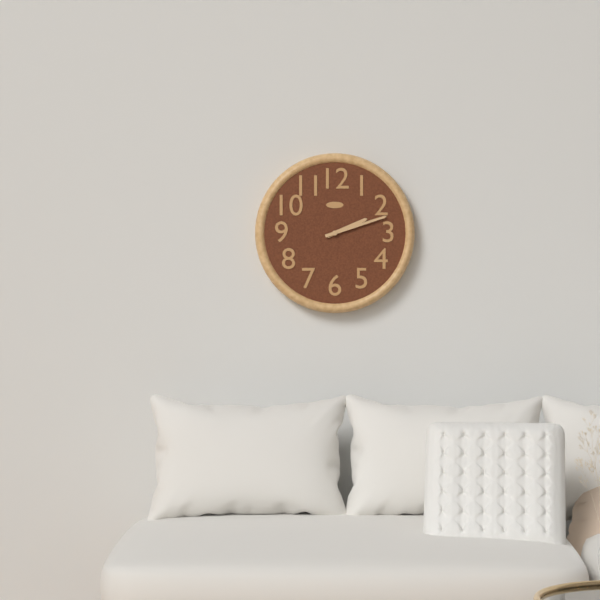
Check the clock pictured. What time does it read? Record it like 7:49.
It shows 2:12
